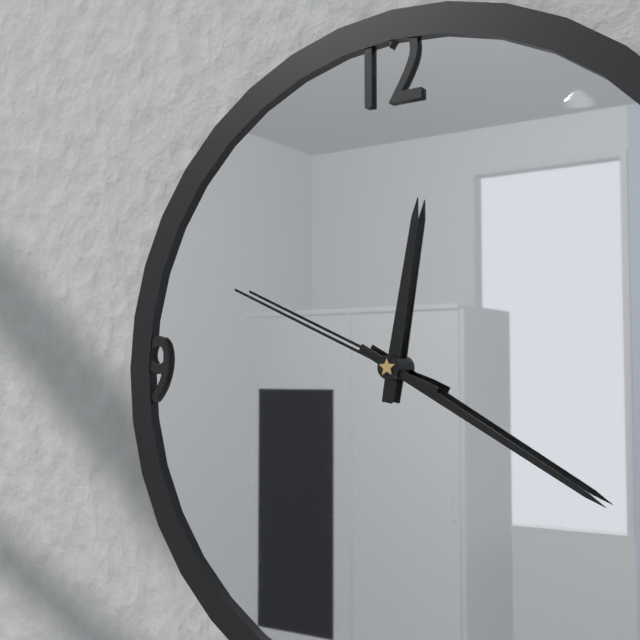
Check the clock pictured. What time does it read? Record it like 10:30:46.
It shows 12:20:49
